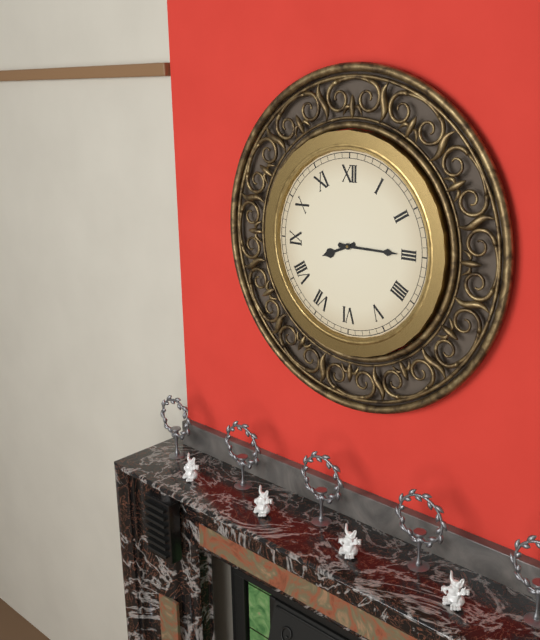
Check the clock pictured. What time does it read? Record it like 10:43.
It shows 8:15
